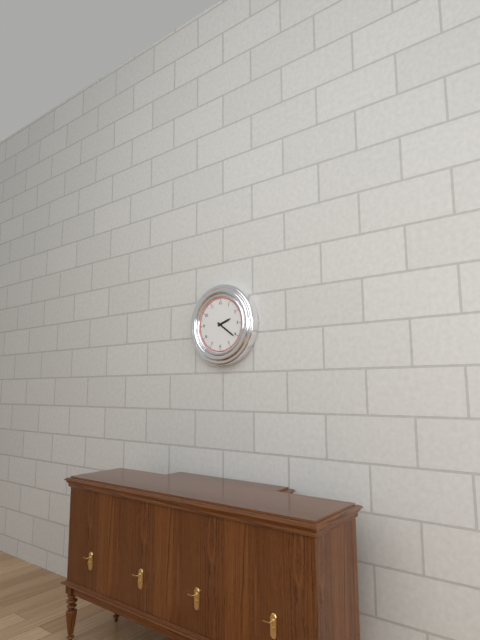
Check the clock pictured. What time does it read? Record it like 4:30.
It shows 2:21
